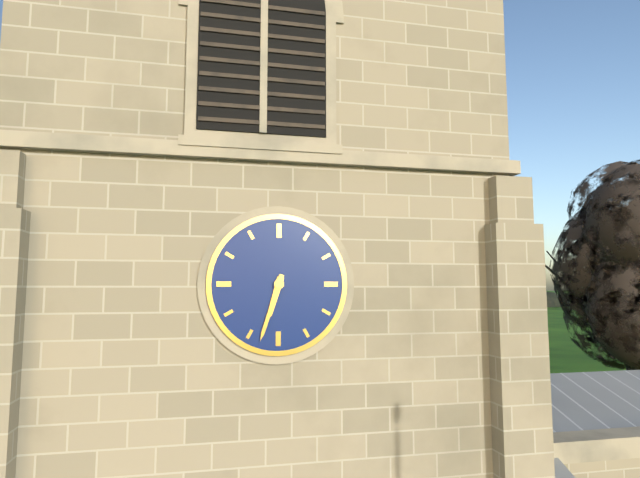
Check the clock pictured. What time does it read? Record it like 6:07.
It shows 6:33
